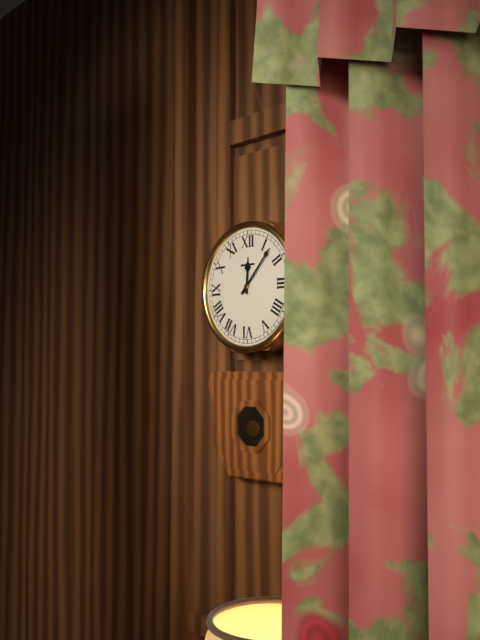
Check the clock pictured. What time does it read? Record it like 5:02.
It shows 12:07
